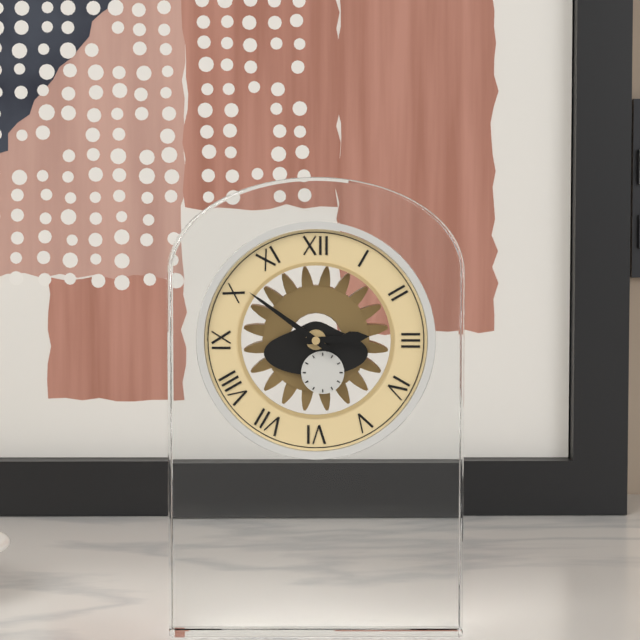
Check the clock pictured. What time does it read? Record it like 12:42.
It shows 2:51
